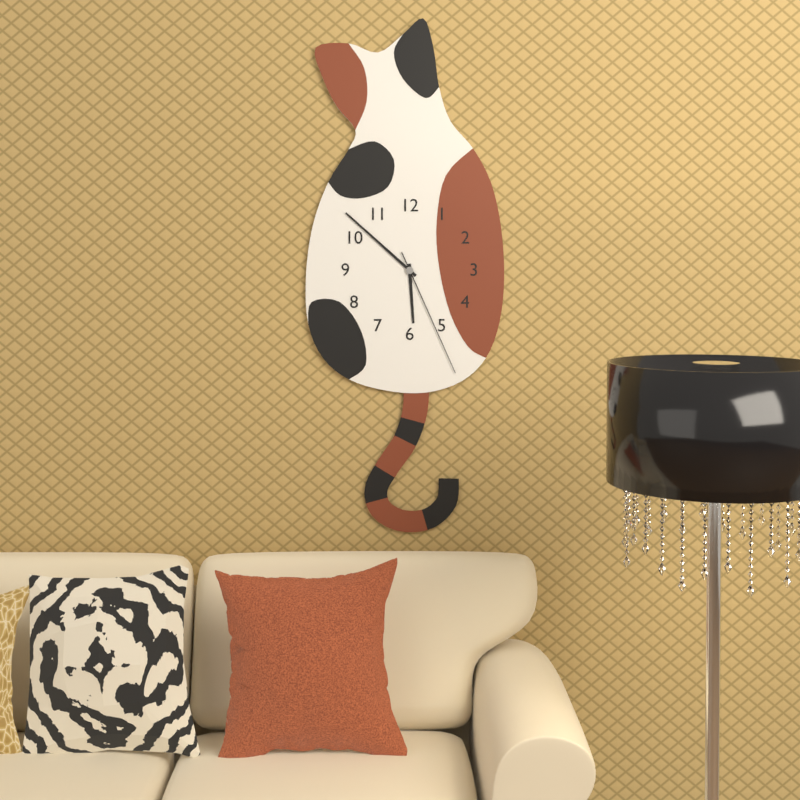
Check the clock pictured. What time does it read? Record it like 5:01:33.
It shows 5:52:26
